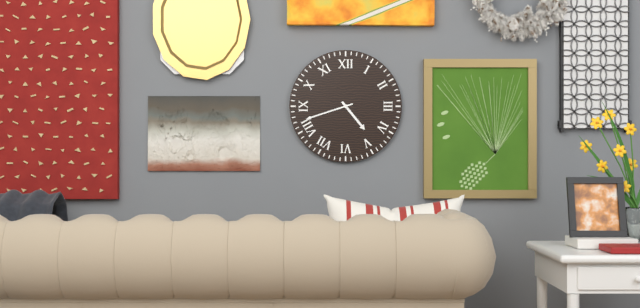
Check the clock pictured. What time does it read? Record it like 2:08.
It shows 4:42
